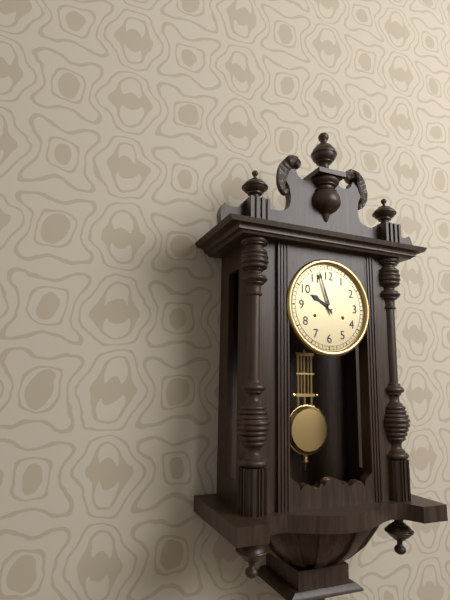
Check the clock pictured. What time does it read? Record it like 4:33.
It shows 9:57
